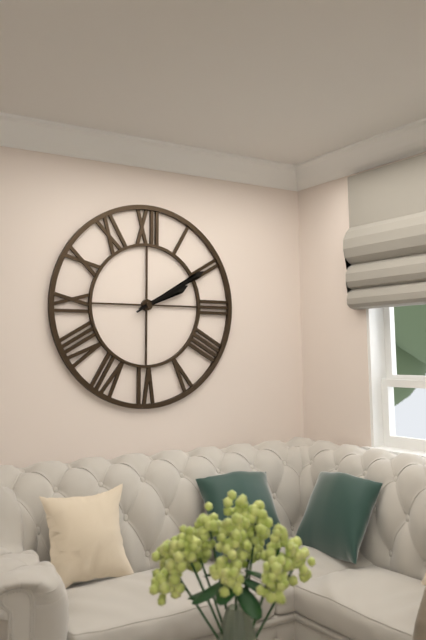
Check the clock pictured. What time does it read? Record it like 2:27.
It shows 2:10
